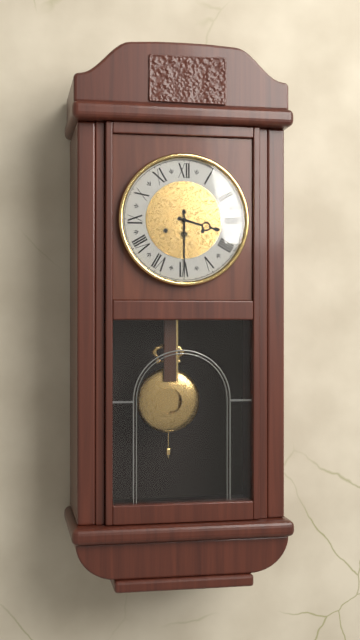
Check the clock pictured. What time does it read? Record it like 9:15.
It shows 3:30
